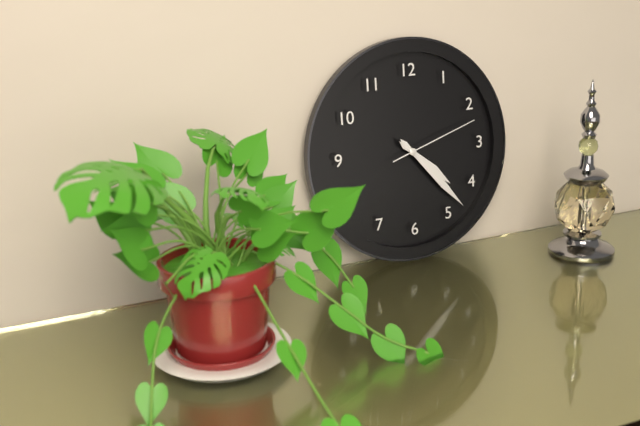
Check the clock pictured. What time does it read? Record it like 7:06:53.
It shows 4:23:12
